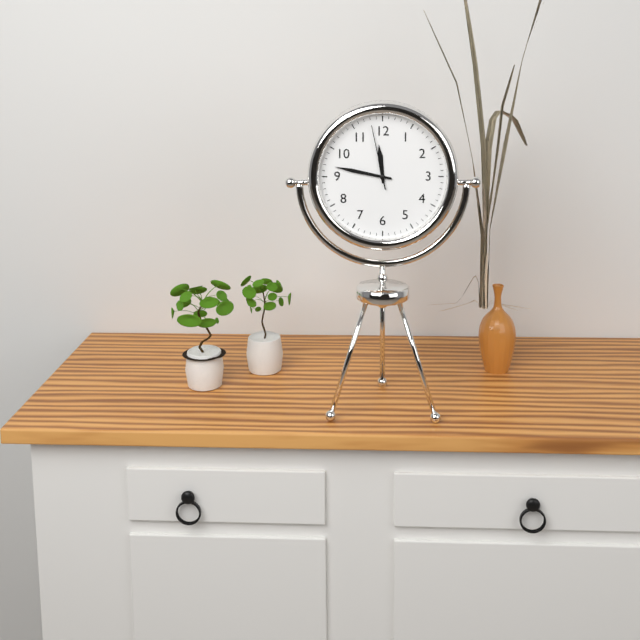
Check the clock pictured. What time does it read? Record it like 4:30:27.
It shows 11:47:58
